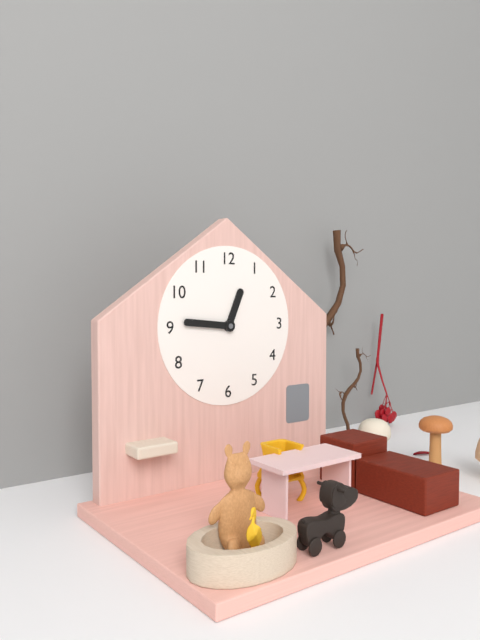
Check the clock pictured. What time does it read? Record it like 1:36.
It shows 12:46
